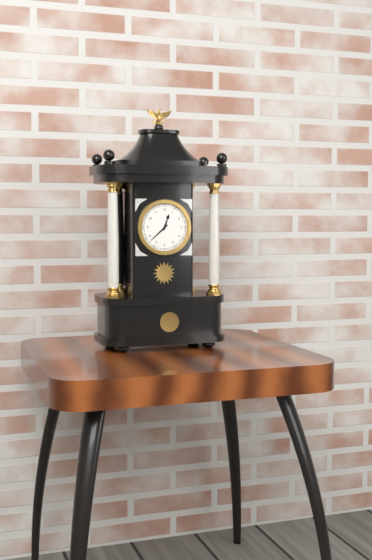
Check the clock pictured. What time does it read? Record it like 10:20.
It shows 12:38
